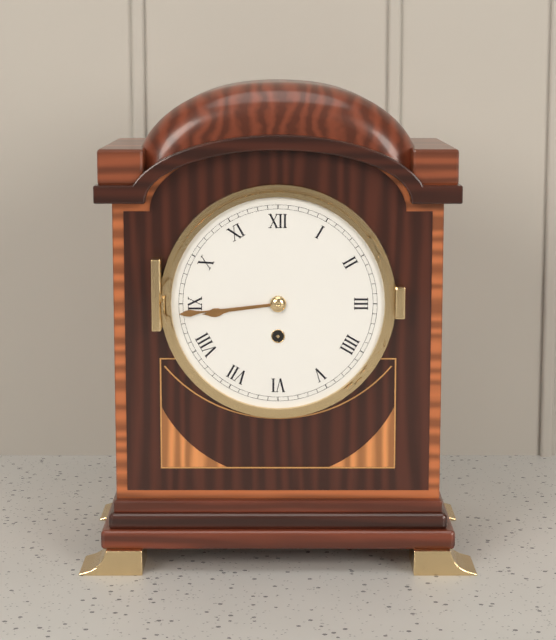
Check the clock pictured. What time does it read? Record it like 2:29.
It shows 8:44
